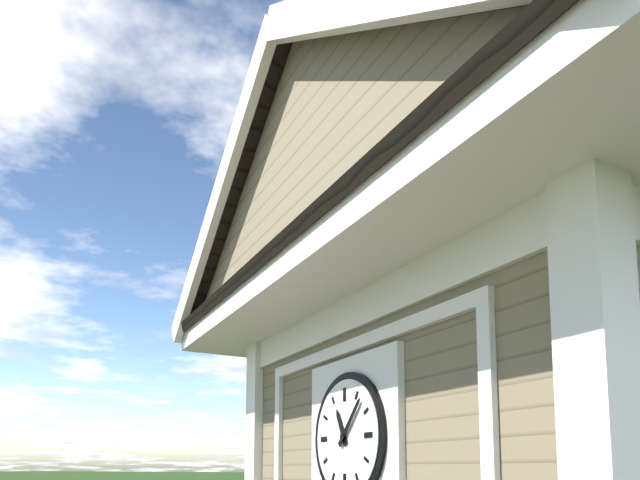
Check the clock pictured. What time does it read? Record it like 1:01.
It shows 11:07
